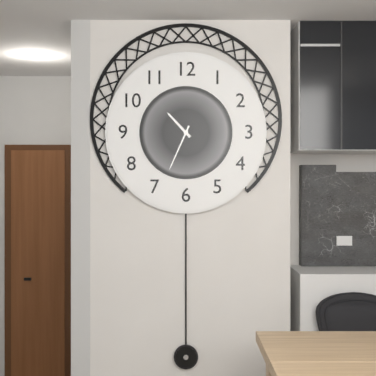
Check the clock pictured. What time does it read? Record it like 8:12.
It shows 10:34
